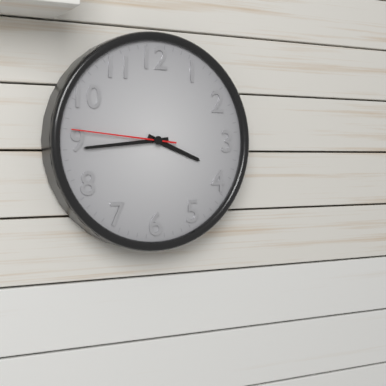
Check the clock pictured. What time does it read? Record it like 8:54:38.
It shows 3:44:46
